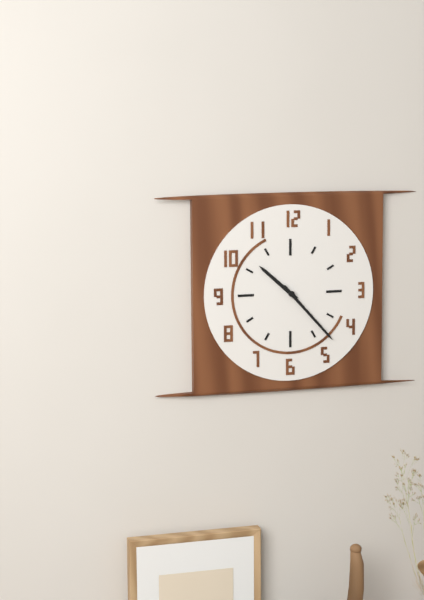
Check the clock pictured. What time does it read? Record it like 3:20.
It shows 10:23
